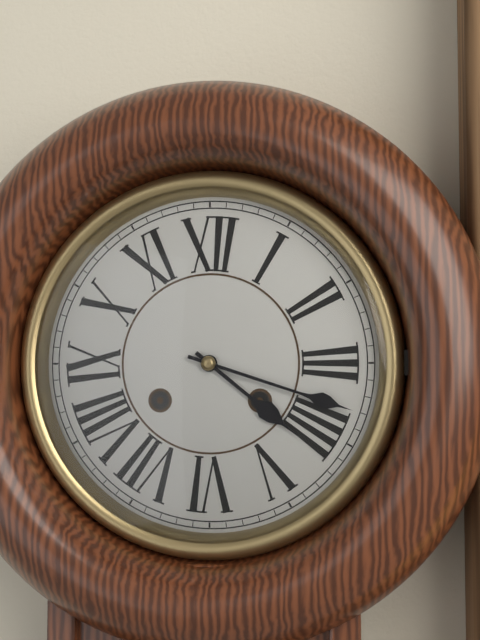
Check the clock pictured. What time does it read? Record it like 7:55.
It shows 4:18
